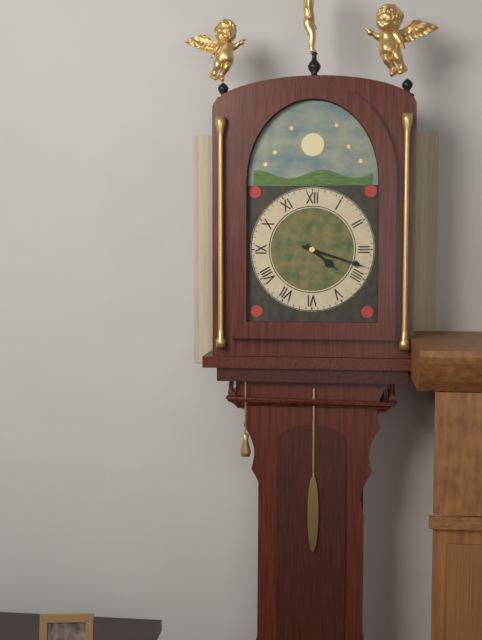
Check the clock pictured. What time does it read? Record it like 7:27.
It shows 4:18
